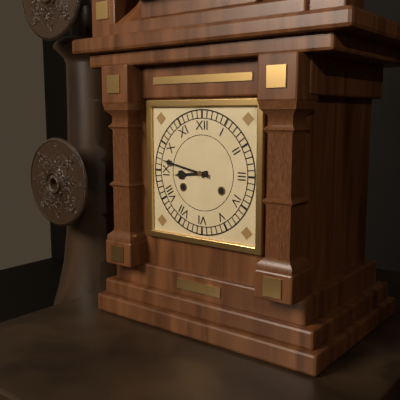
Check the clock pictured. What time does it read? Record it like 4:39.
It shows 8:47
